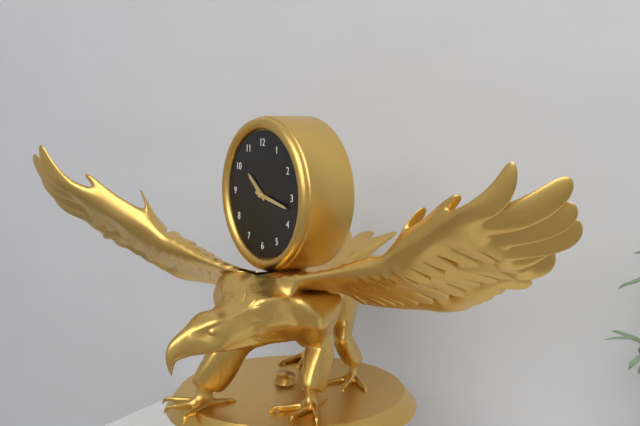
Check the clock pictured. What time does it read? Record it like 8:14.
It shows 10:17
